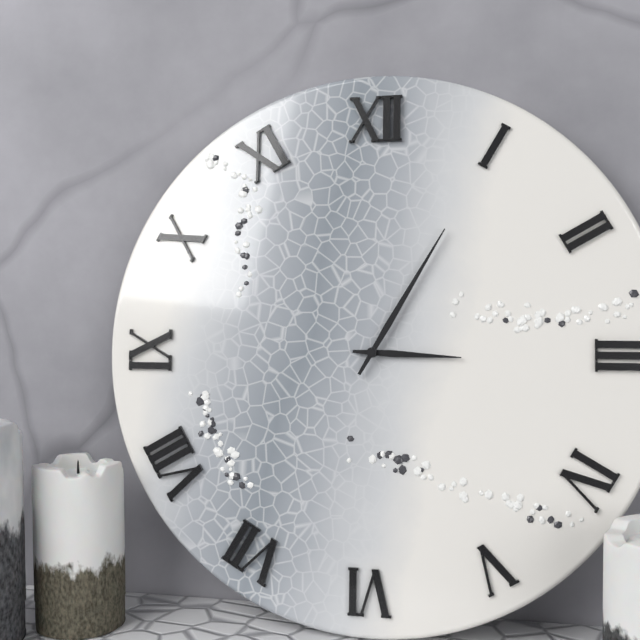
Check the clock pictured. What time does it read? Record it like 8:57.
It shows 3:05
